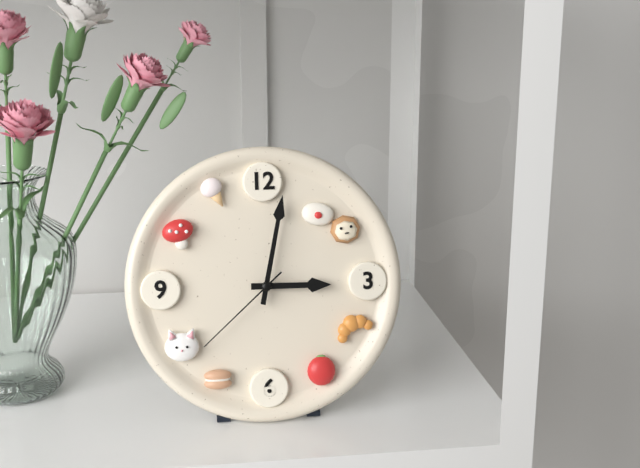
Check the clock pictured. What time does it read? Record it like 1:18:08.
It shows 3:02:38
